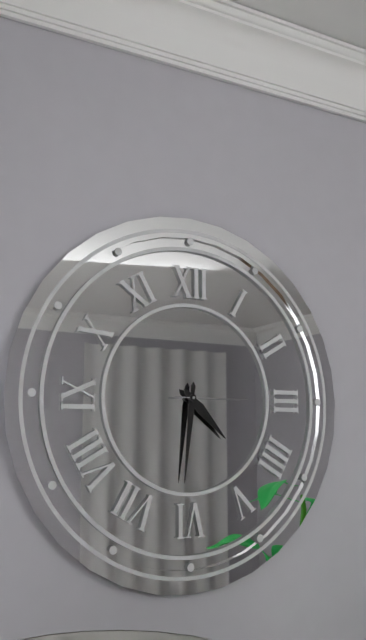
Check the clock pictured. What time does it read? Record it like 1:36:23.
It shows 4:31:15
